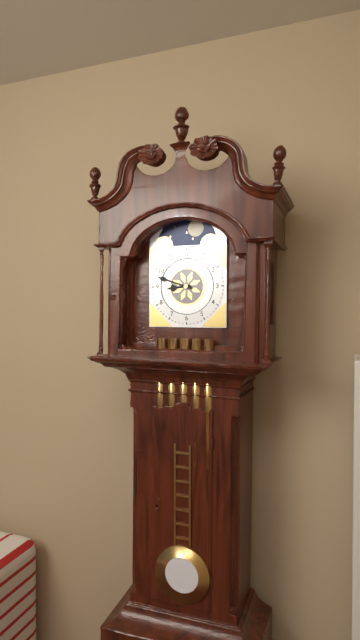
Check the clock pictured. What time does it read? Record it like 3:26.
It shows 8:48
